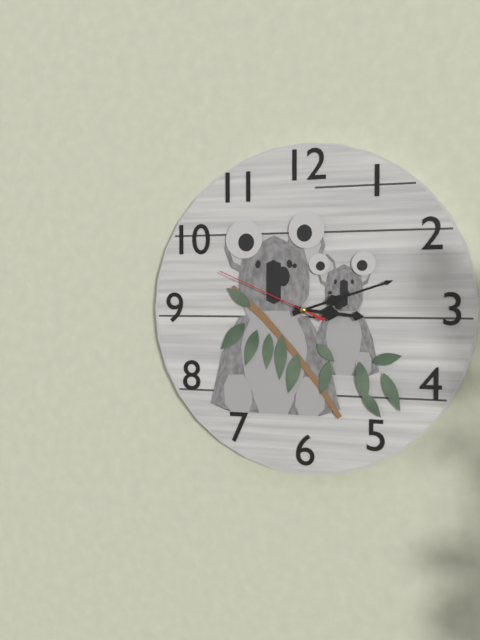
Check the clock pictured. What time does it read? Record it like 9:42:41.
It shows 3:12:49
